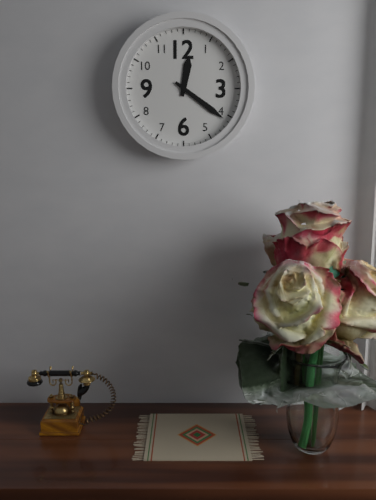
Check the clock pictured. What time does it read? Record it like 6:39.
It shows 12:21
